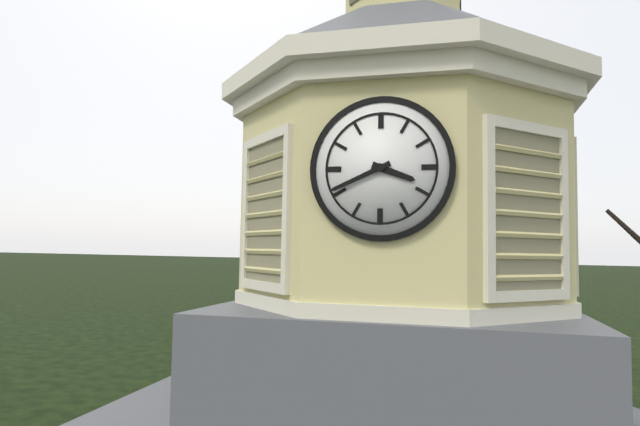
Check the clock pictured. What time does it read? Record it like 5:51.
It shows 3:41
